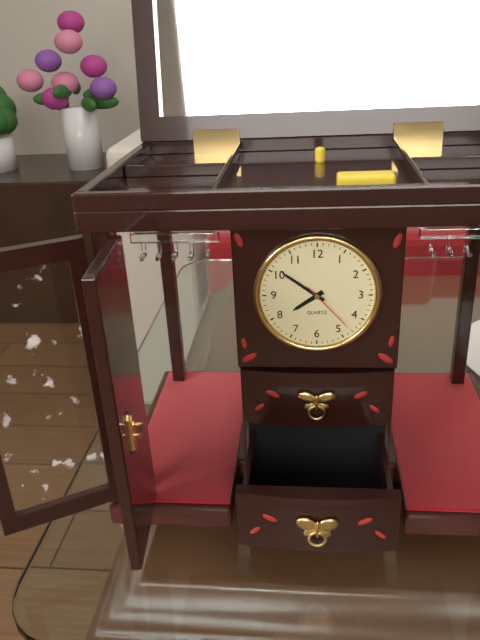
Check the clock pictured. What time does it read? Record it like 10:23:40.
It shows 7:51:23
